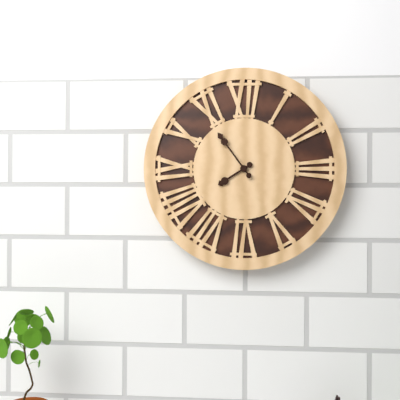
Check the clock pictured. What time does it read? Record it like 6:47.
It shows 7:54
